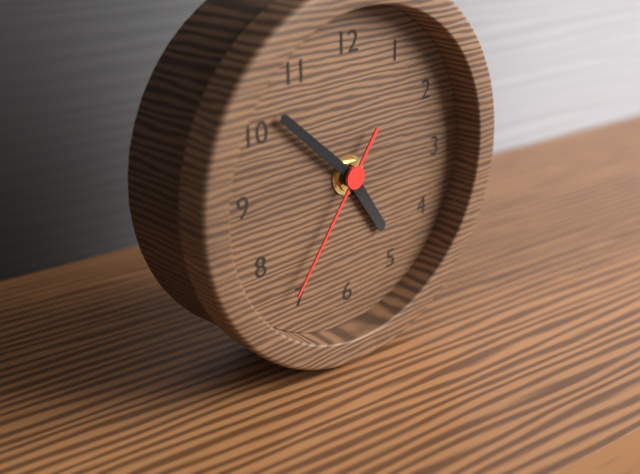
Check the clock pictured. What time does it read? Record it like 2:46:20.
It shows 4:52:36
